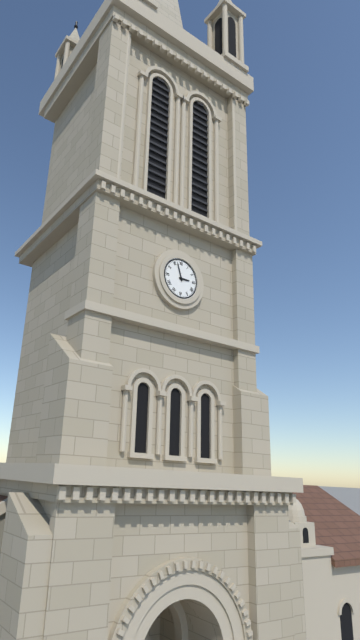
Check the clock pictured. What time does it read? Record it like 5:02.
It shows 2:57
